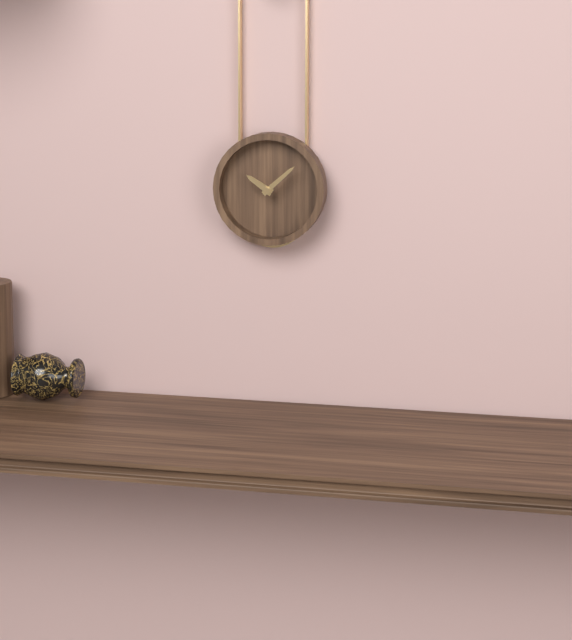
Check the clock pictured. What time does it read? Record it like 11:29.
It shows 10:08
